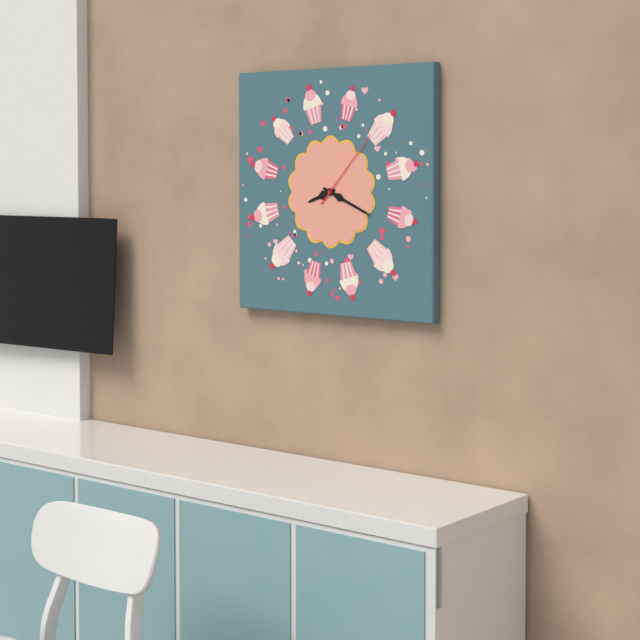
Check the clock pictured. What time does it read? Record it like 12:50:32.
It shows 8:19:07
